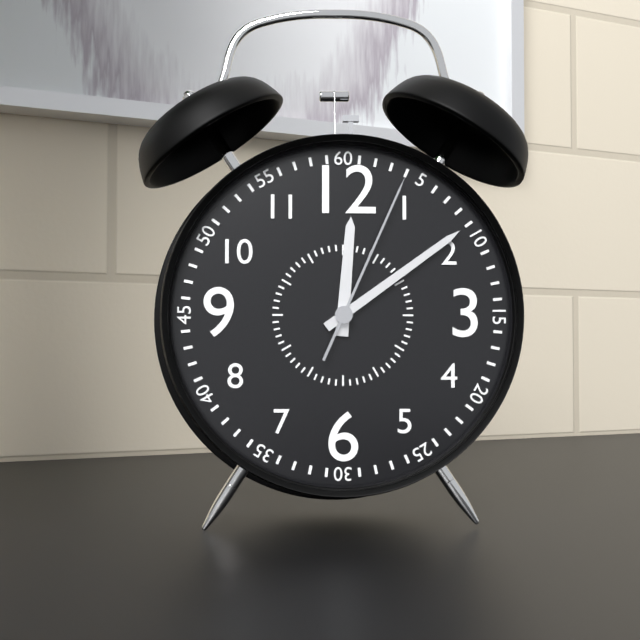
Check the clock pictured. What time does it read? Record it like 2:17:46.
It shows 12:09:04
